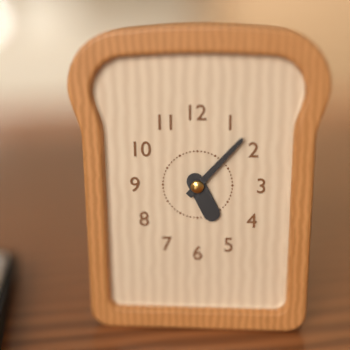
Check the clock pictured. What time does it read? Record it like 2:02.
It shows 5:07
